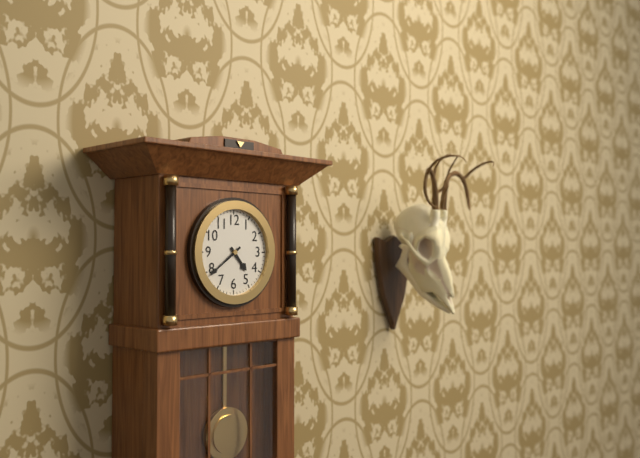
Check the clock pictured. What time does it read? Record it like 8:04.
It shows 4:39
